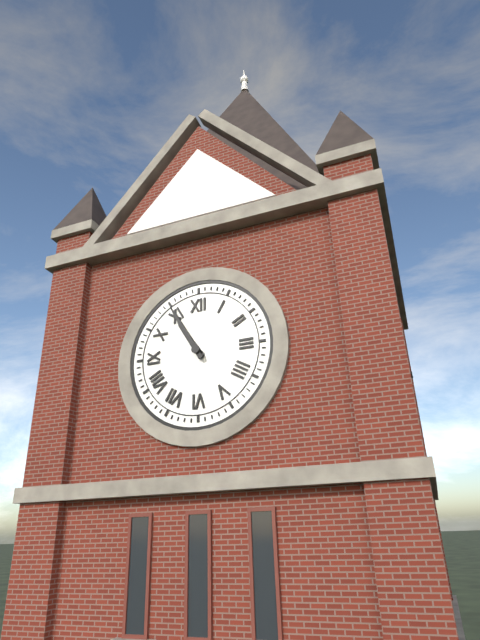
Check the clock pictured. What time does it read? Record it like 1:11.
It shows 10:55
